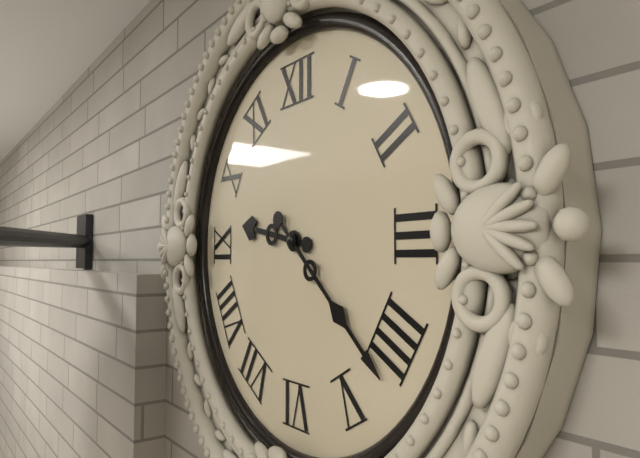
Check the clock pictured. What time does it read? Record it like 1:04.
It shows 9:22
